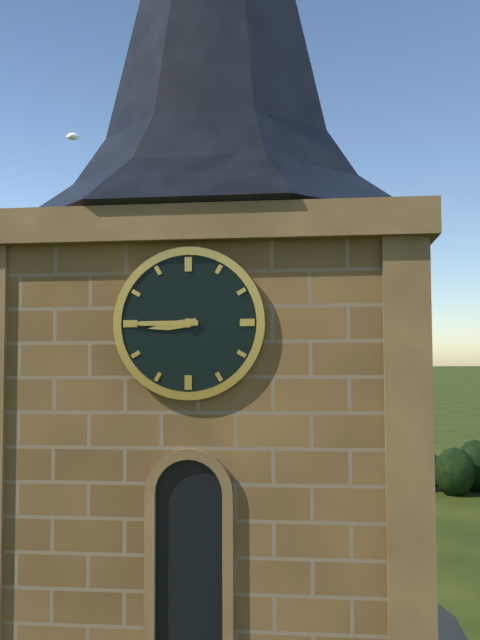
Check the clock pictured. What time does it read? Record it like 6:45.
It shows 8:45
